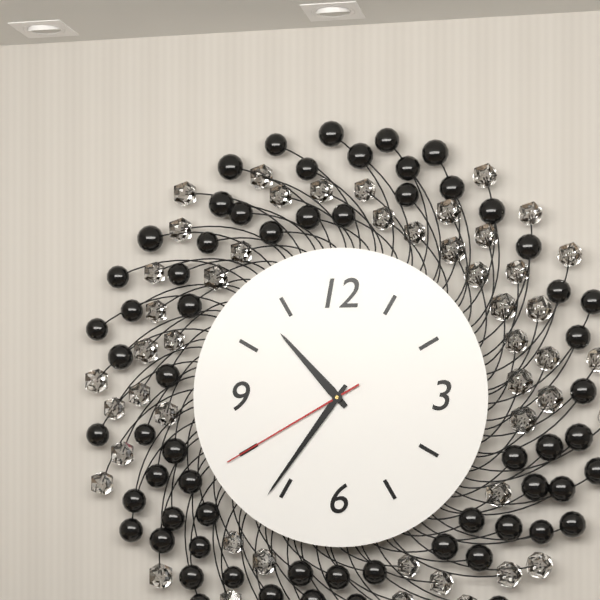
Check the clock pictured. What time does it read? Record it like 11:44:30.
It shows 10:36:40
